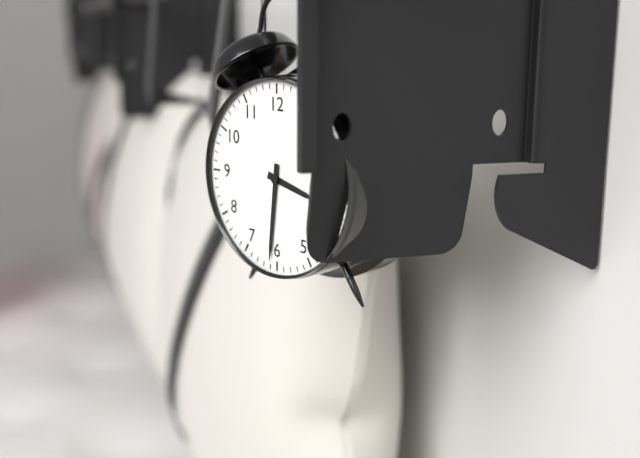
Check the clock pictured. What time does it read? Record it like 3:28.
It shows 3:31
